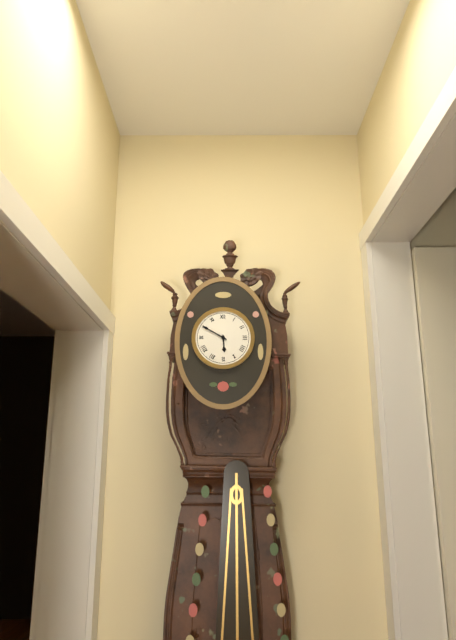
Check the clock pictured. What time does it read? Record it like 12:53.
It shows 5:50
